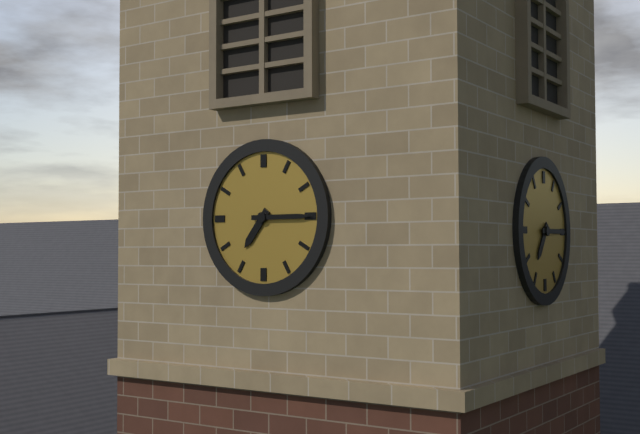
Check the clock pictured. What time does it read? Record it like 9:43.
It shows 7:15
